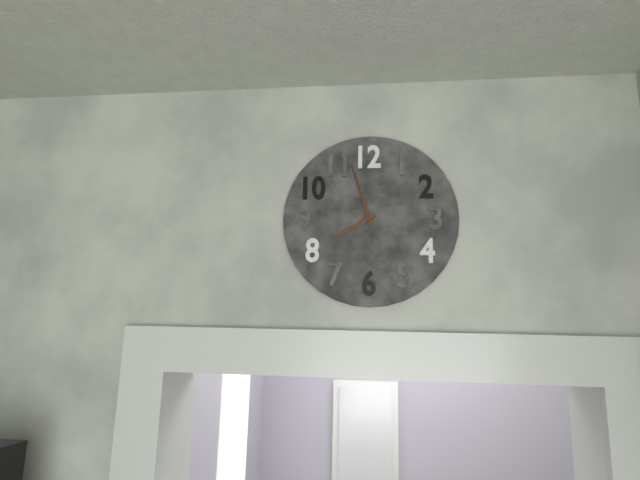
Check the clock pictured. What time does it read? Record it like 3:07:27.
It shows 7:57:08
